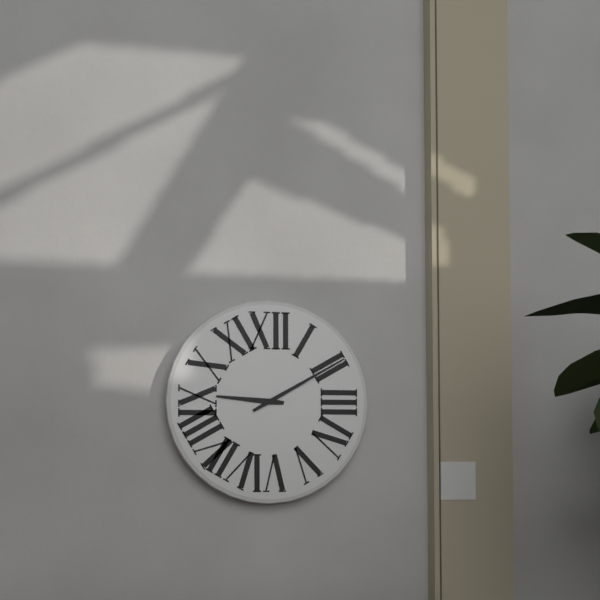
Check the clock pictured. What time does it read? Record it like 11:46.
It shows 9:10
